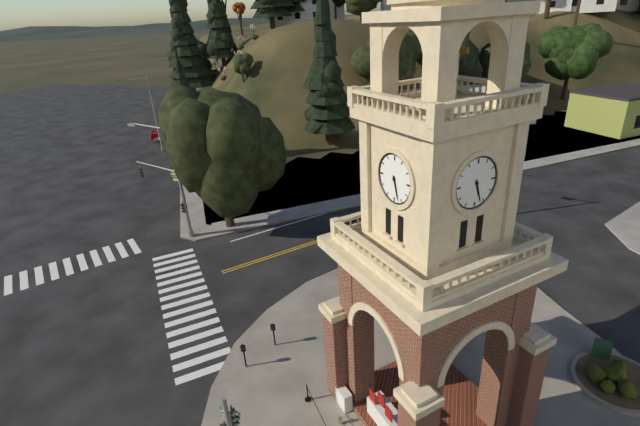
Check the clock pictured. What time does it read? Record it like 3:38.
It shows 5:27
